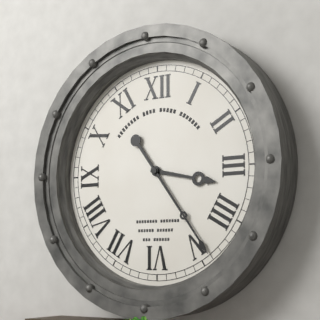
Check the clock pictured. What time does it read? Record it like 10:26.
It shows 3:24
